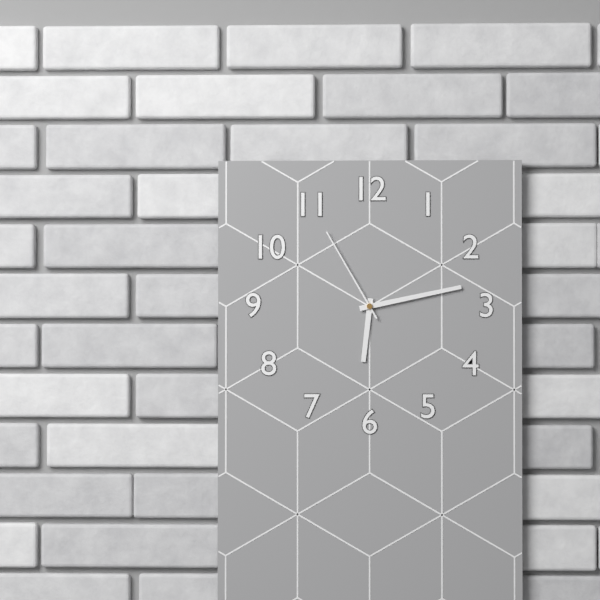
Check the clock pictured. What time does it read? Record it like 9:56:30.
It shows 6:13:55
